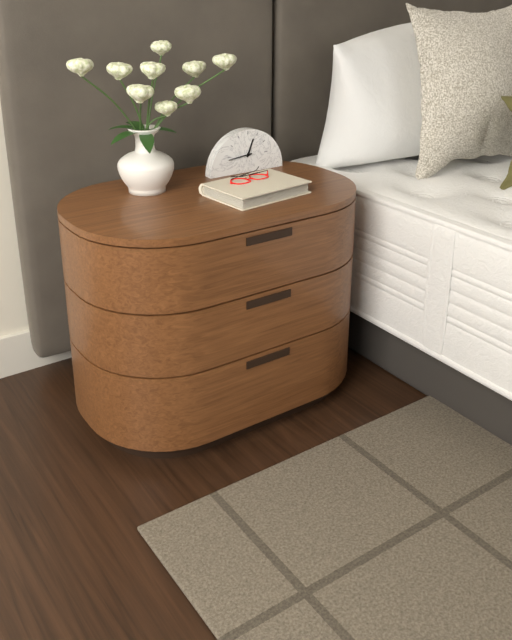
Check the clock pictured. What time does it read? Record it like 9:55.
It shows 12:44
